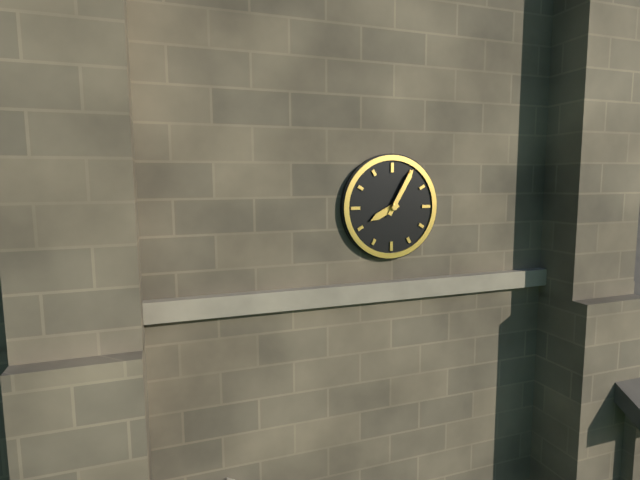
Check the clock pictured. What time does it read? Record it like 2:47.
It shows 8:05
